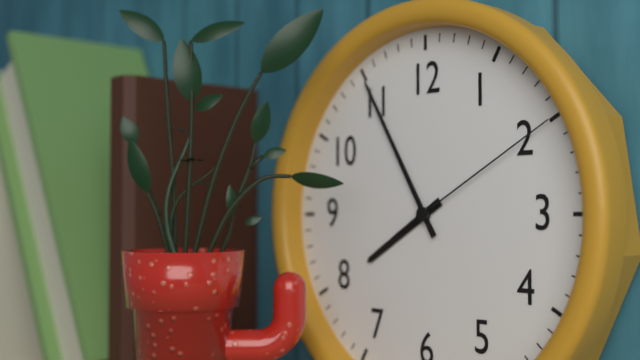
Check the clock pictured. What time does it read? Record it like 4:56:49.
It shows 7:55:10
